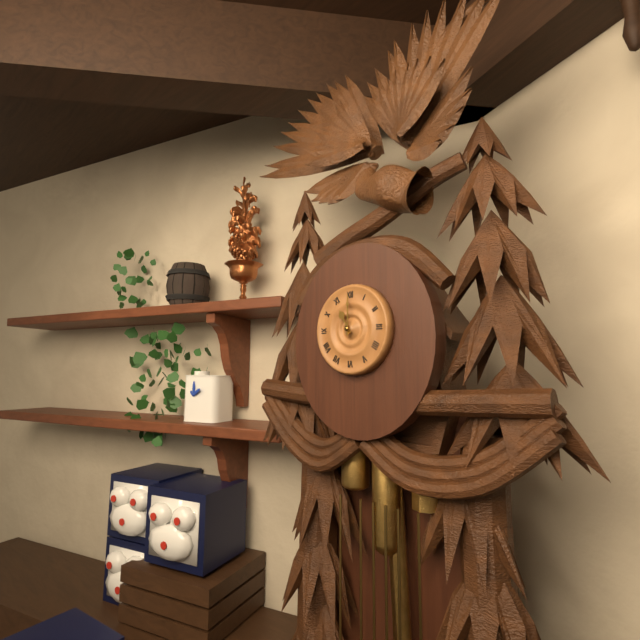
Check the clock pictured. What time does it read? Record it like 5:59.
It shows 11:00
